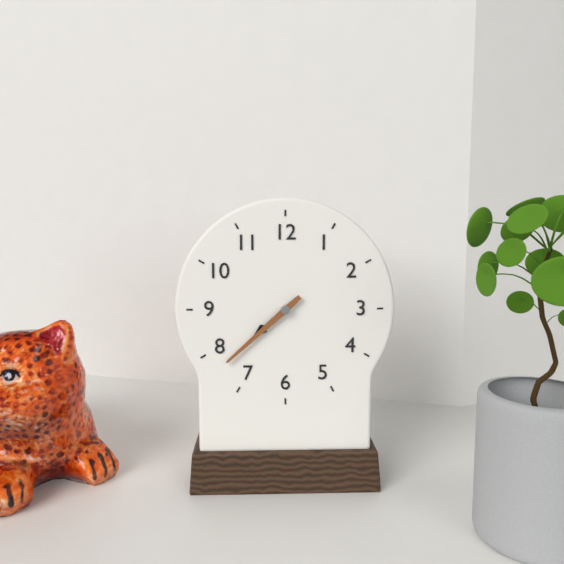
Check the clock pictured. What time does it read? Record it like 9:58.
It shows 7:38
